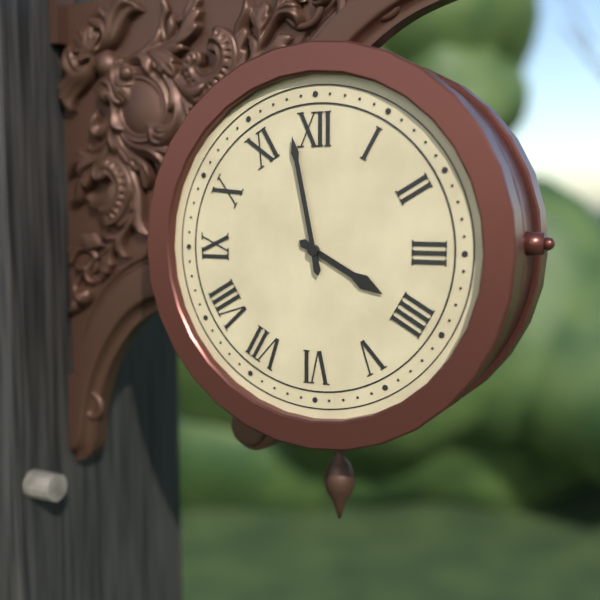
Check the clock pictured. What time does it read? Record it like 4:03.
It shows 3:58
